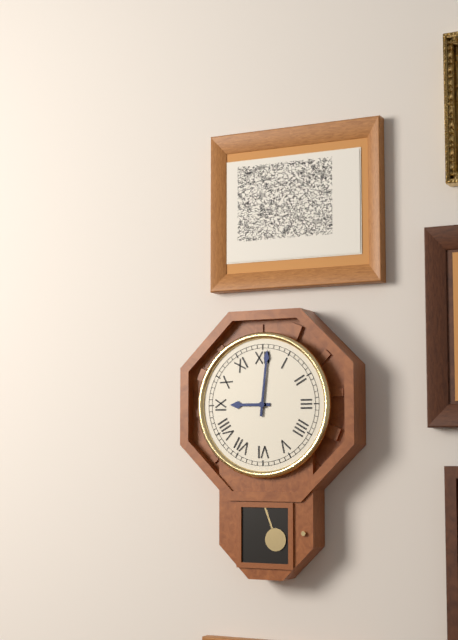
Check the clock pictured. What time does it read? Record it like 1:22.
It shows 9:01
